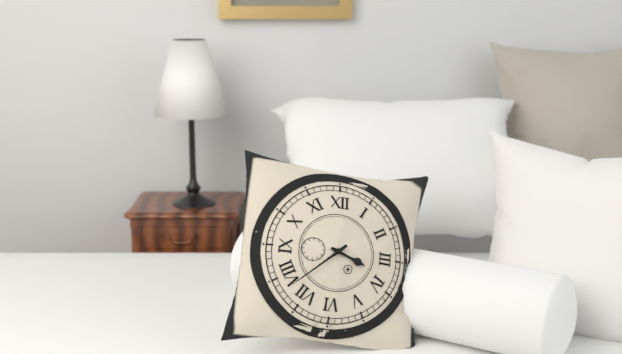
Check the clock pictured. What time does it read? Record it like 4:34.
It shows 3:38
